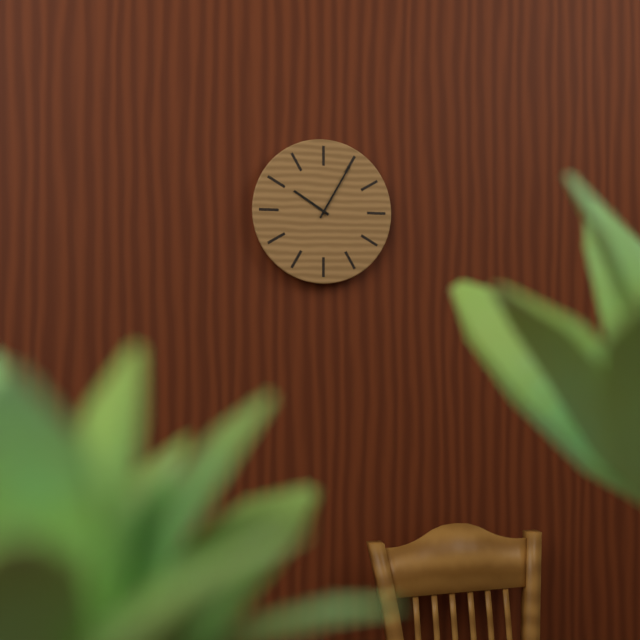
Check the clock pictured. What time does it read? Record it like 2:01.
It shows 10:05
